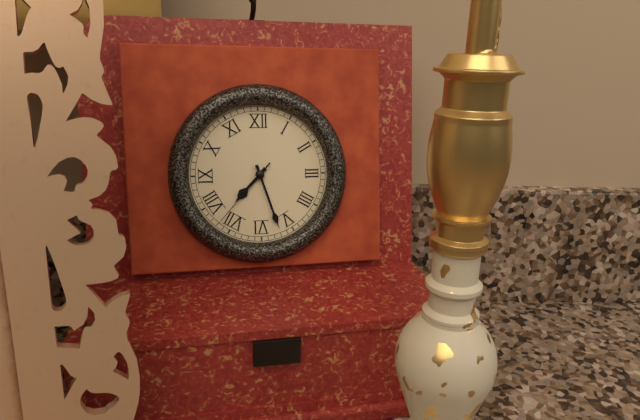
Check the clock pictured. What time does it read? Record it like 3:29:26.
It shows 7:27:37
